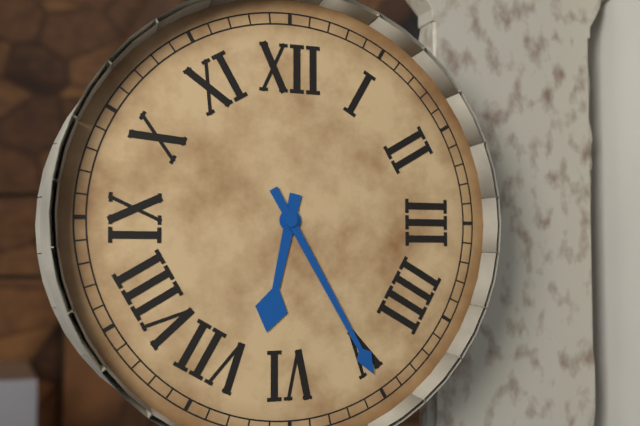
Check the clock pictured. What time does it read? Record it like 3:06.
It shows 6:25
